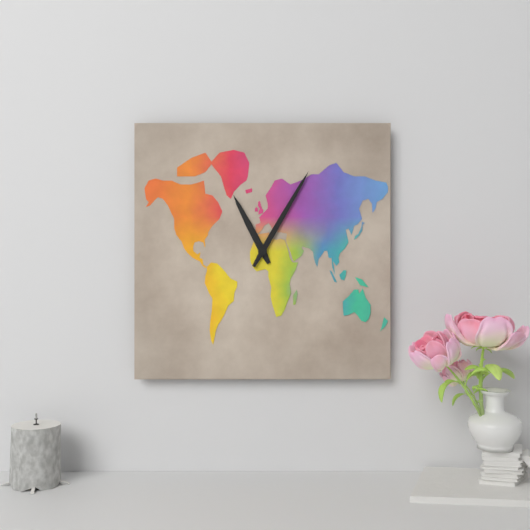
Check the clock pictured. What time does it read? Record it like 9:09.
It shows 11:05
